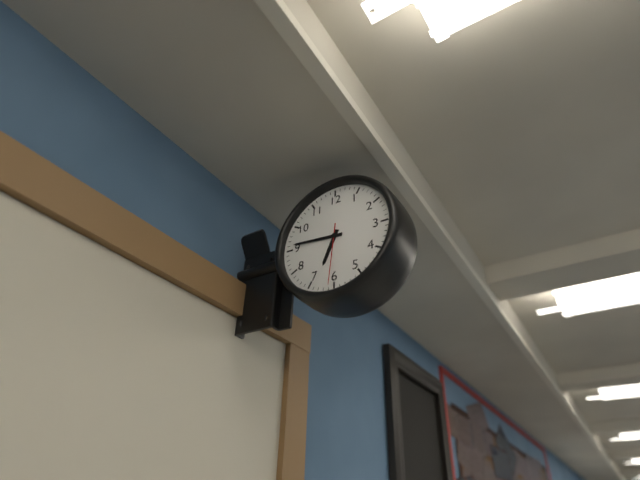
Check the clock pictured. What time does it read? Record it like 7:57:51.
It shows 6:46:31
